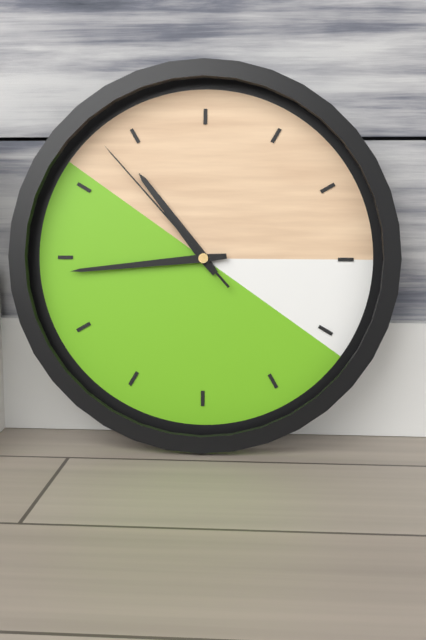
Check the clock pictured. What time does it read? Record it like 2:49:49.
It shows 10:44:53
